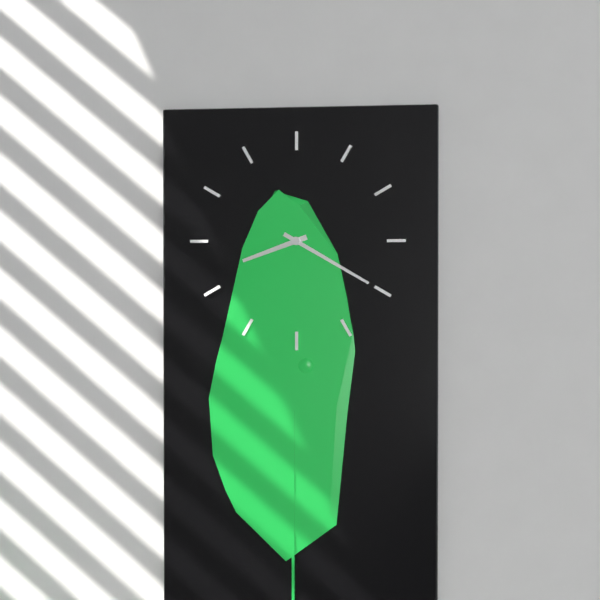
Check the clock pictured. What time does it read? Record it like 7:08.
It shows 8:20
